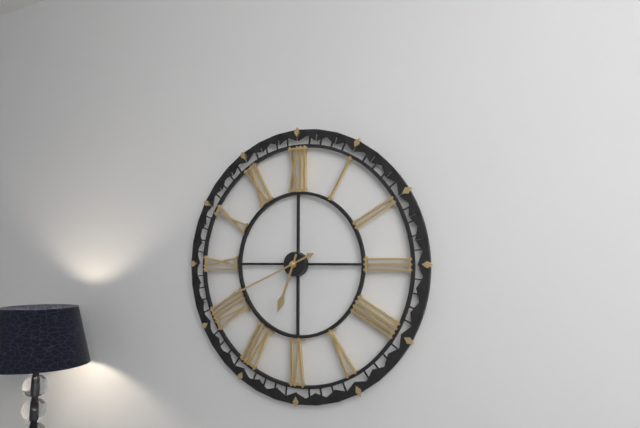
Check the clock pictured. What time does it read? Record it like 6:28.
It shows 6:41
